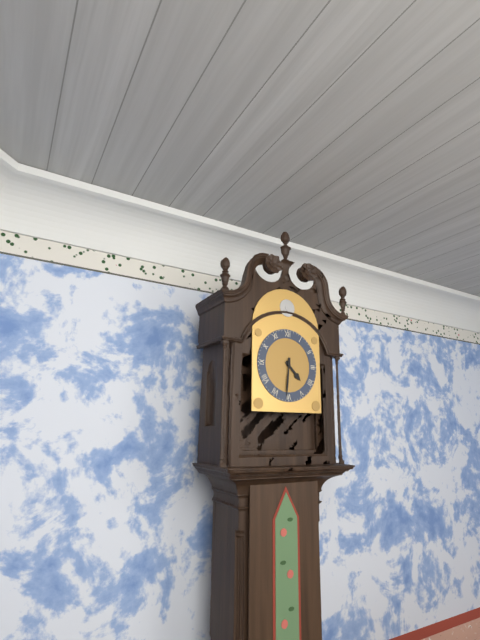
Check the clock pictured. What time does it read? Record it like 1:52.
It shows 4:31
